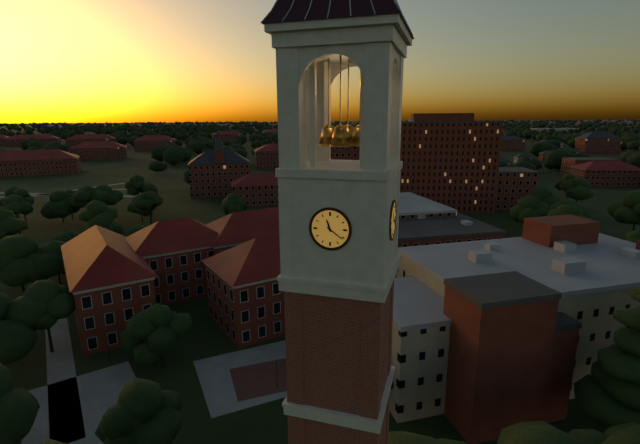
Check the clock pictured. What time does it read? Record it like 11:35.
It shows 11:21
